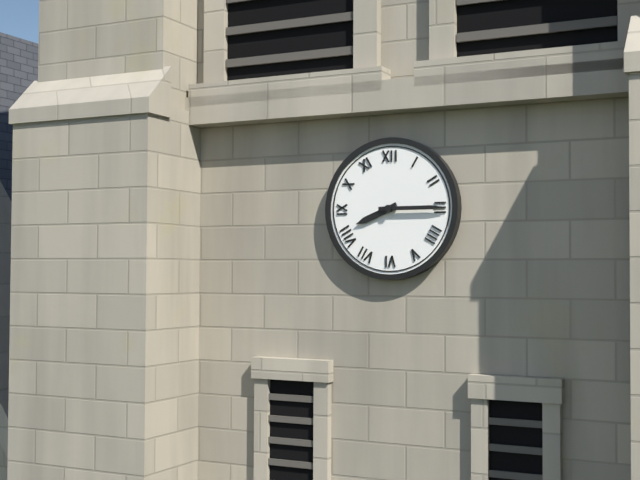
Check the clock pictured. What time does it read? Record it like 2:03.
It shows 8:15
